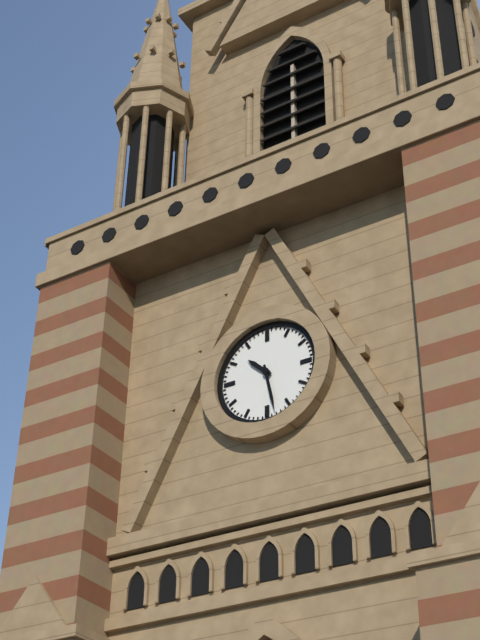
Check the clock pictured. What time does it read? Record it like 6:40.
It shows 10:28
